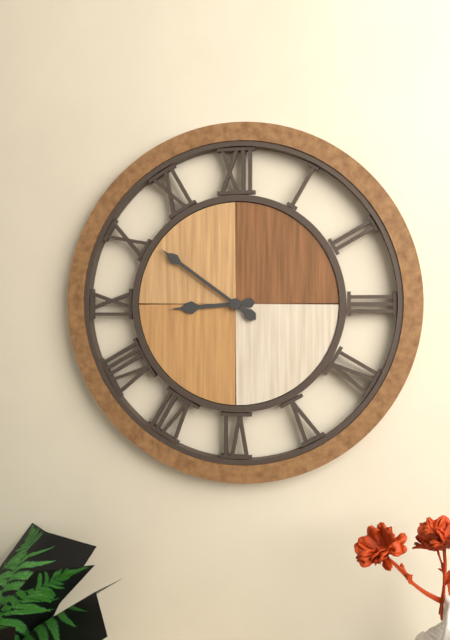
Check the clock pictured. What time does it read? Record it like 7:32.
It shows 8:51
